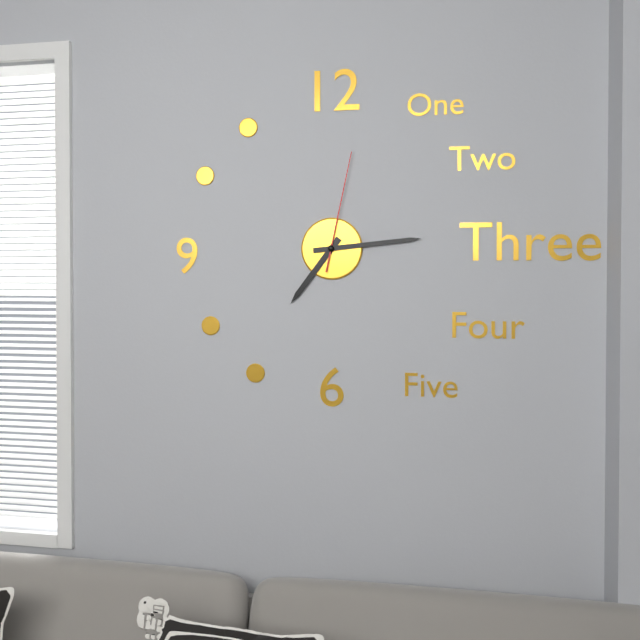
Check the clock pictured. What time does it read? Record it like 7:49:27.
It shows 7:14:02
